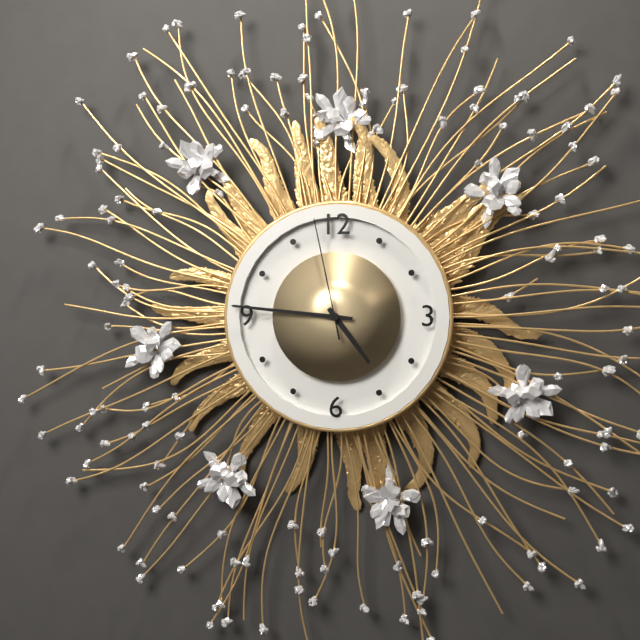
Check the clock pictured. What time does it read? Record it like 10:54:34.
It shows 4:46:58
